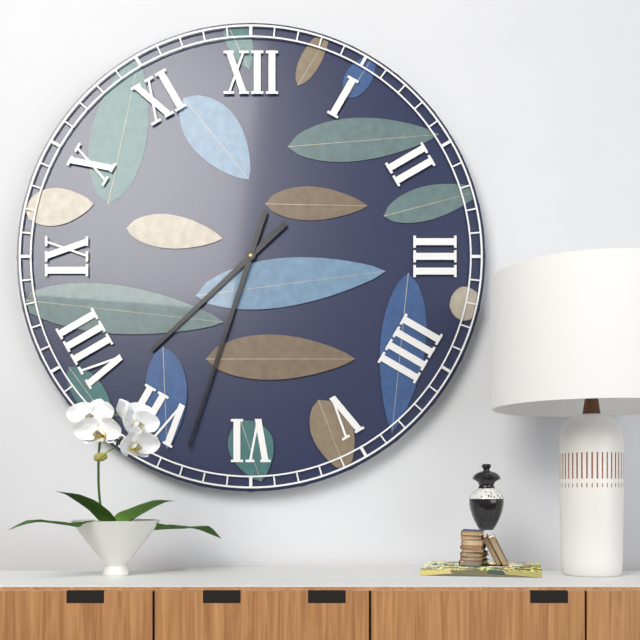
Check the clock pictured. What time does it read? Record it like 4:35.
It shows 7:33
